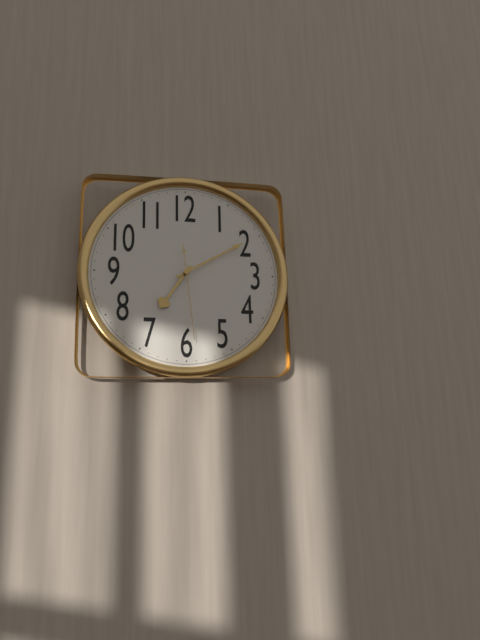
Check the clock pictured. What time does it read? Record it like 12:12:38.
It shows 7:10:29
